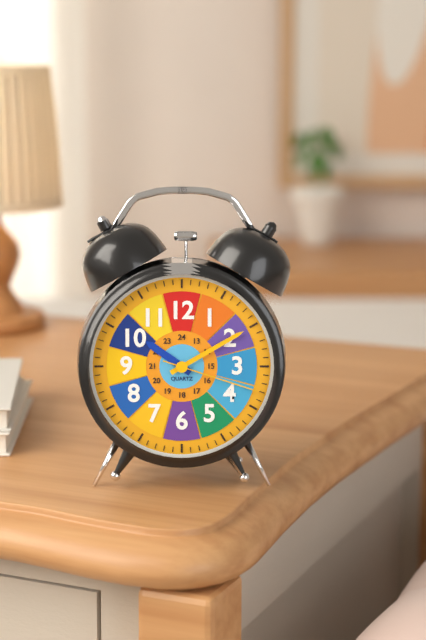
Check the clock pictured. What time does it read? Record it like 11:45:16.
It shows 10:10:18
